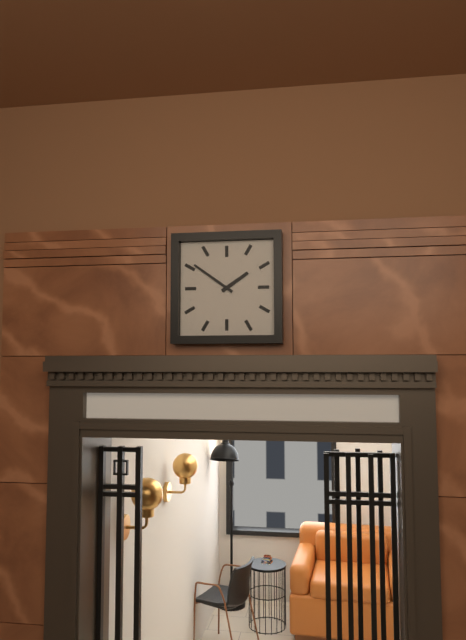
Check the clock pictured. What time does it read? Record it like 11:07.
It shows 1:51
